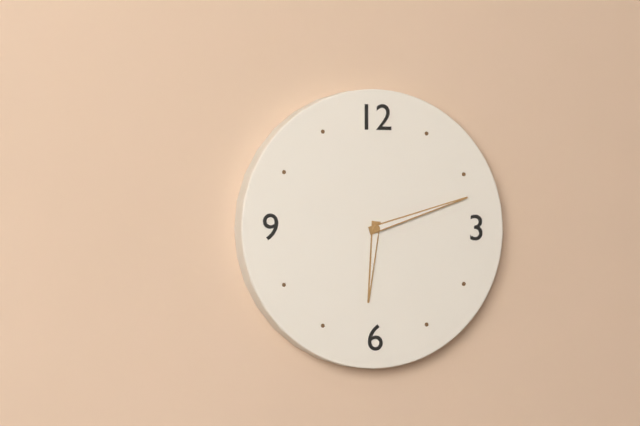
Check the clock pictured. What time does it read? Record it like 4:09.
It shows 6:12
